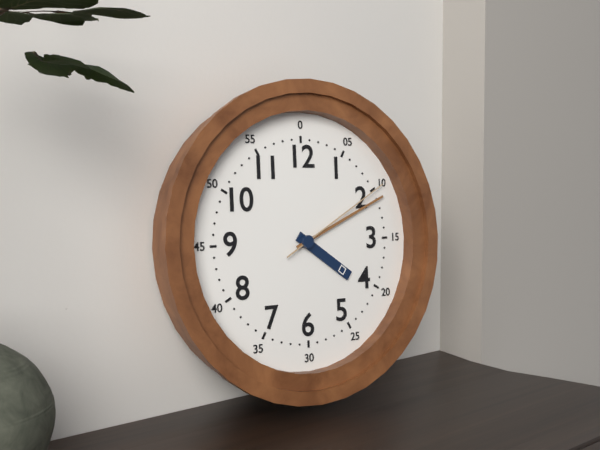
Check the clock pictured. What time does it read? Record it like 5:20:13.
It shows 4:11:10
